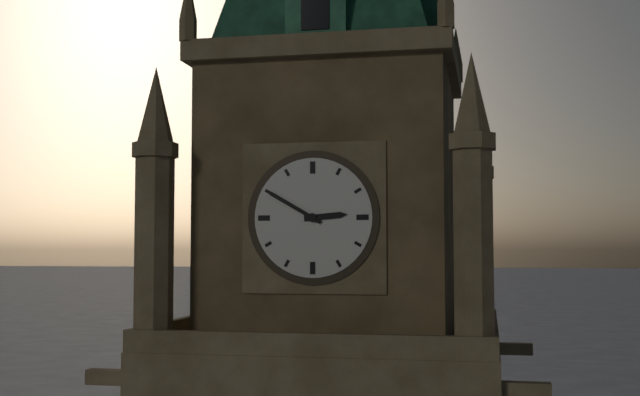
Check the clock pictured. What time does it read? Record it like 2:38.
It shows 2:50
